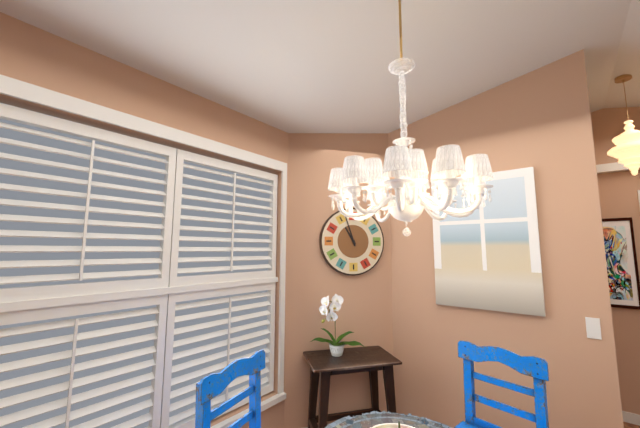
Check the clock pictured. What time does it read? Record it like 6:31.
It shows 10:57
